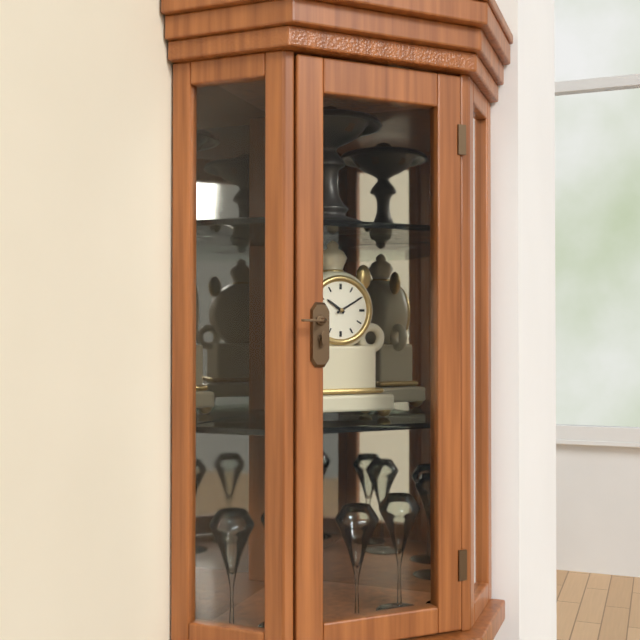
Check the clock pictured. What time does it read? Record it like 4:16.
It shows 10:10
